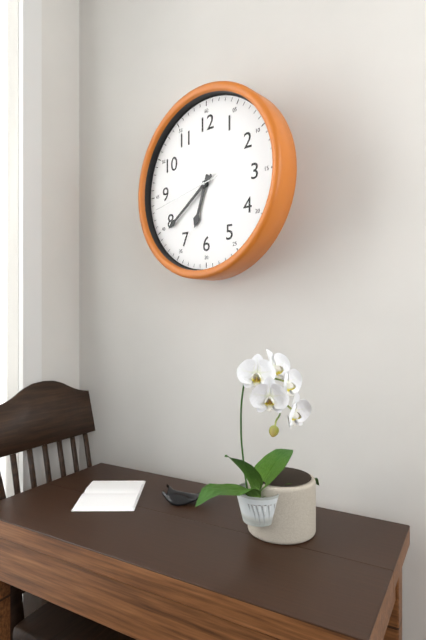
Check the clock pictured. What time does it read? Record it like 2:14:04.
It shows 6:39:43
